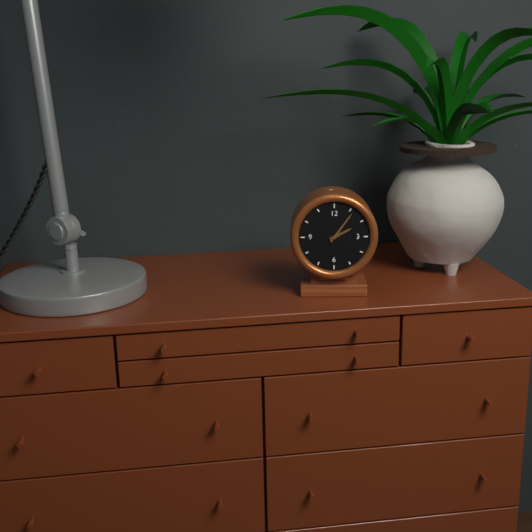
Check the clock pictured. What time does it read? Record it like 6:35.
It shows 2:06
